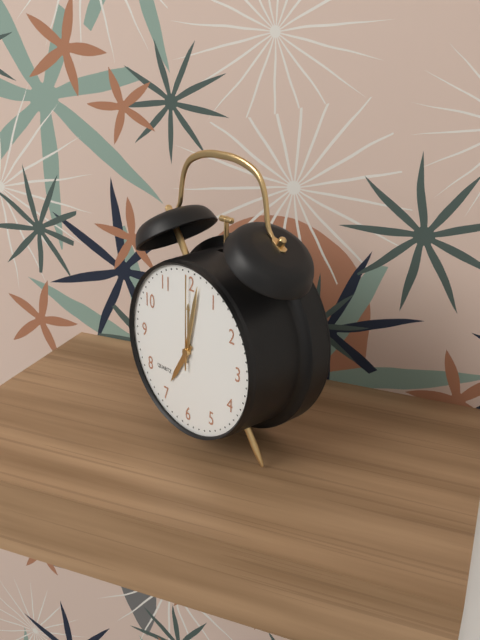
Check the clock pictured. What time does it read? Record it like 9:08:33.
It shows 7:02:00
